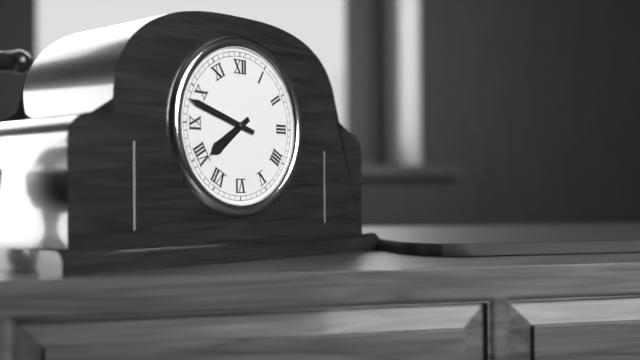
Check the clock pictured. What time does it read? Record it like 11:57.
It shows 7:48
